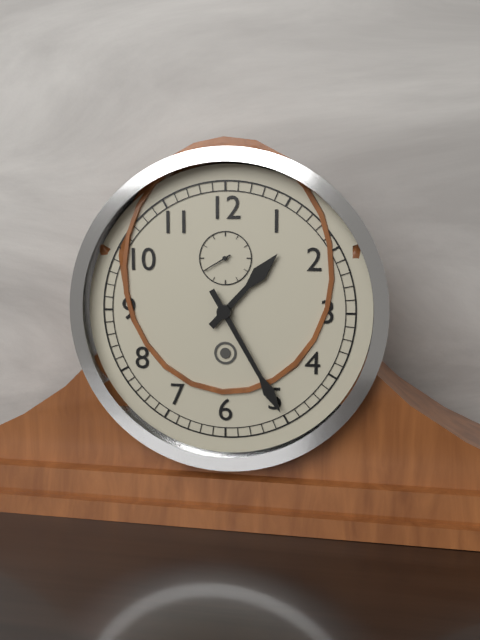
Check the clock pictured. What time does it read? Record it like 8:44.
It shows 1:25
